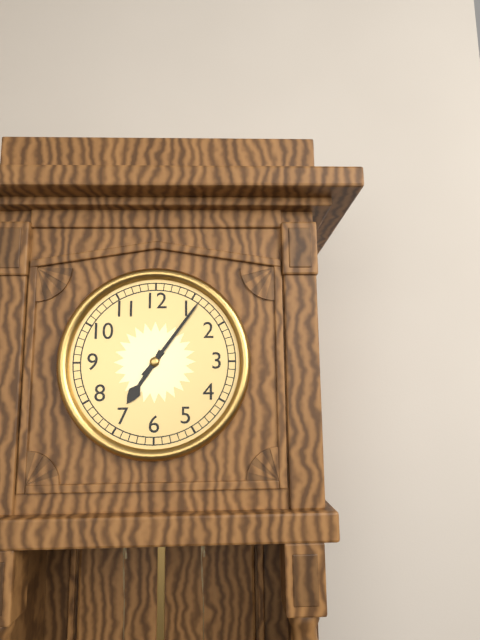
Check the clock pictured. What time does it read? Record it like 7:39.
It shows 7:06
